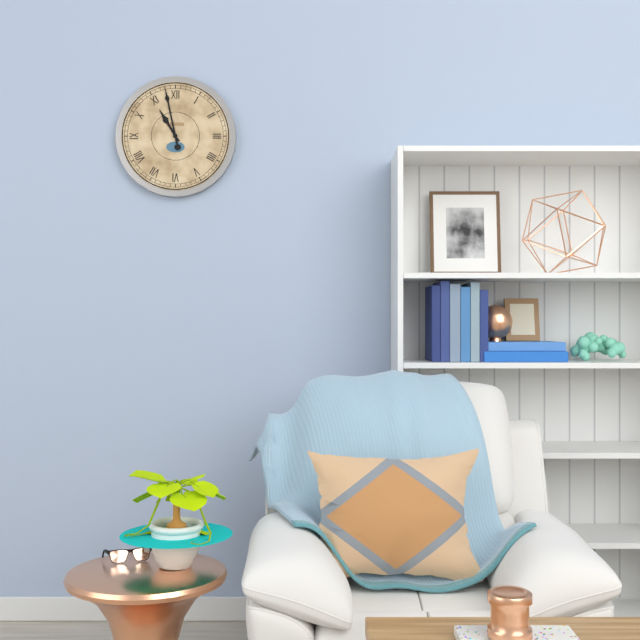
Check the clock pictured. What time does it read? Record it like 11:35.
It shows 10:58
